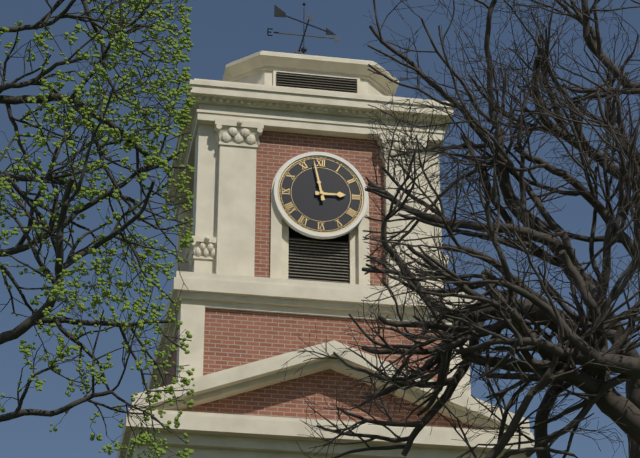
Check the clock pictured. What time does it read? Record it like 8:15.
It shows 2:58
